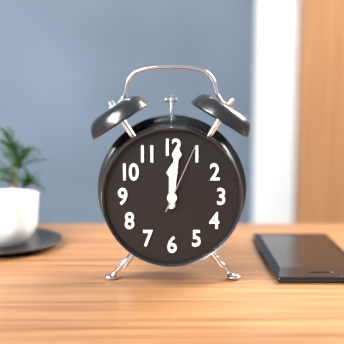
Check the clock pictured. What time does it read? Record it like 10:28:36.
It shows 12:01:04
